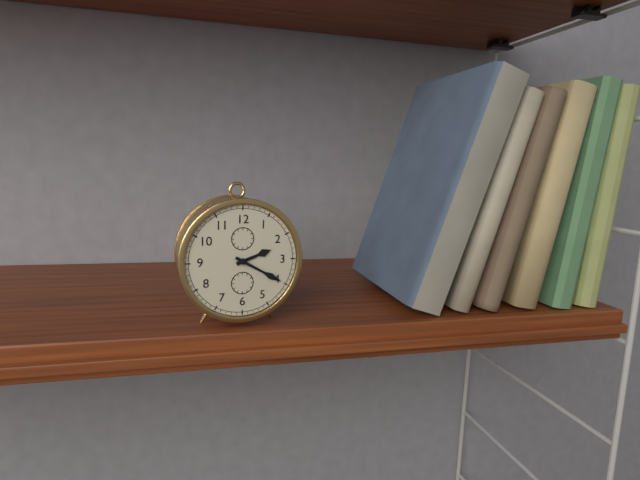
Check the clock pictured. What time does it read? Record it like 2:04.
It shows 2:20
